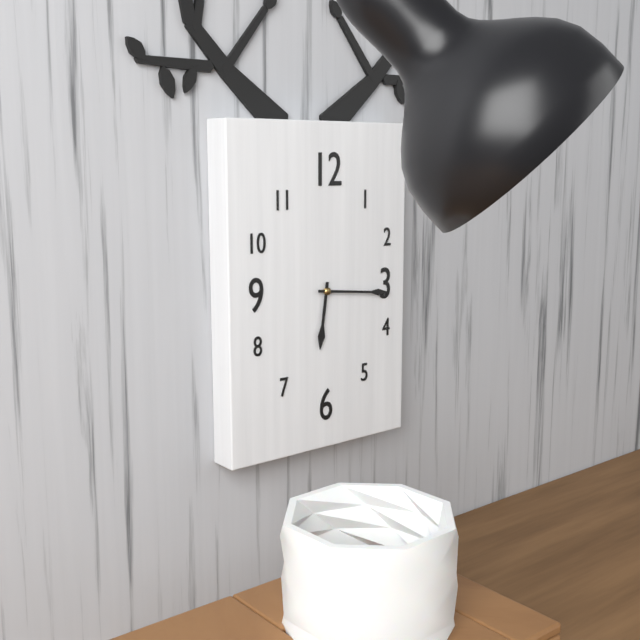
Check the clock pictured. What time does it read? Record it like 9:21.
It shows 6:16
